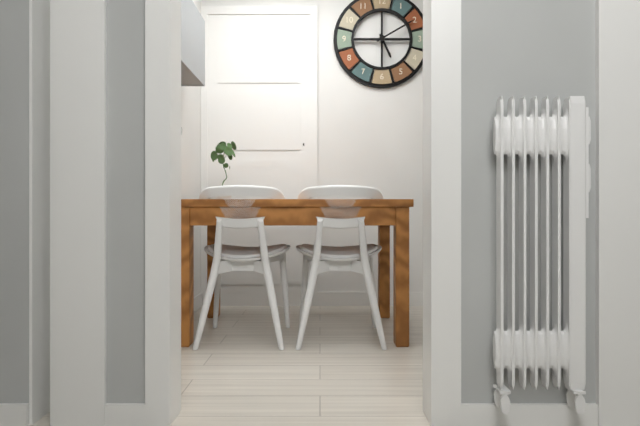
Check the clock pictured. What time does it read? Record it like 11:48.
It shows 5:10
